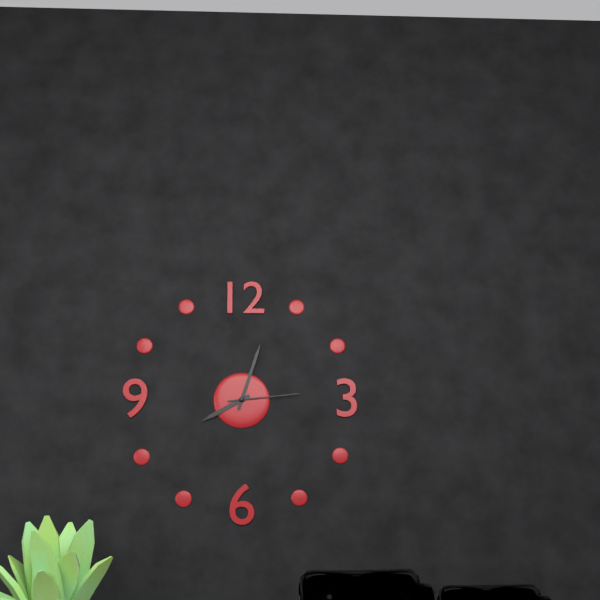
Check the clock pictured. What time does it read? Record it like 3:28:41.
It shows 8:03:14
